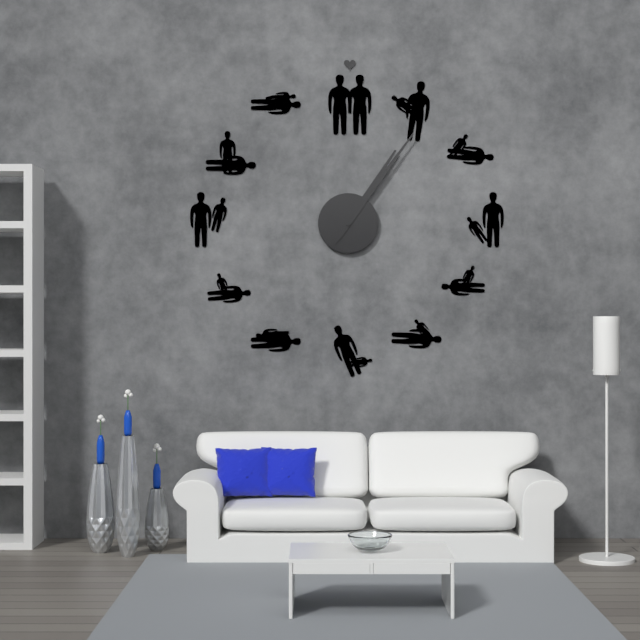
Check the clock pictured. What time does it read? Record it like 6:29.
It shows 1:06
